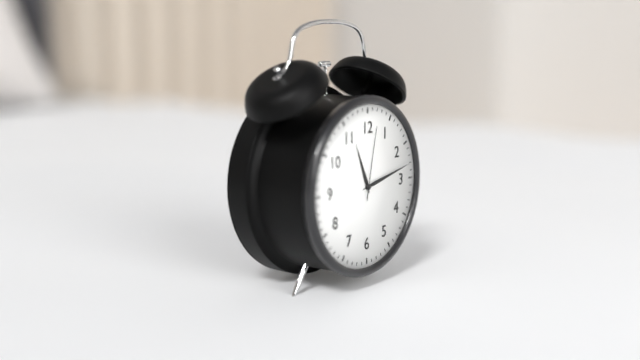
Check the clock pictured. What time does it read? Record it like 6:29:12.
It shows 11:13:02
